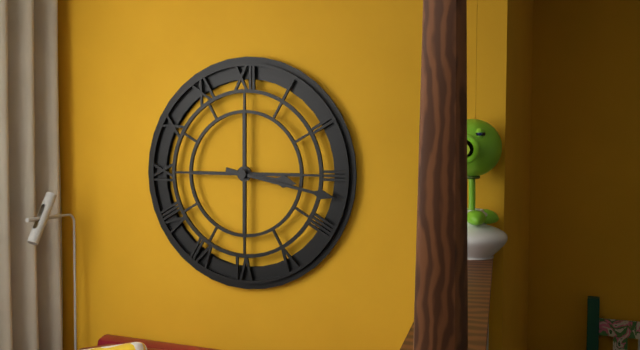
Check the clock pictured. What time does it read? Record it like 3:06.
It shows 3:17
